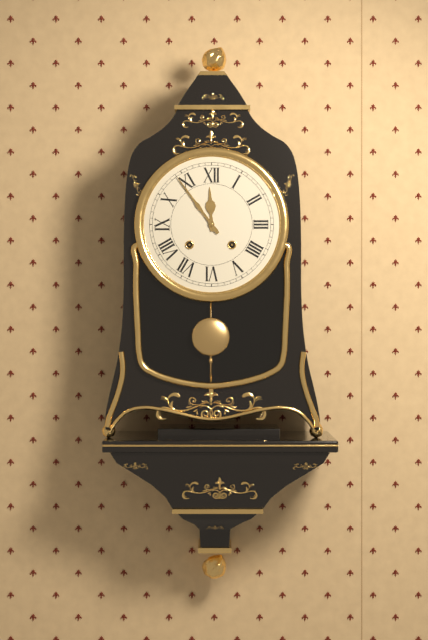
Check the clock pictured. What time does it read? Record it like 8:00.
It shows 11:54
